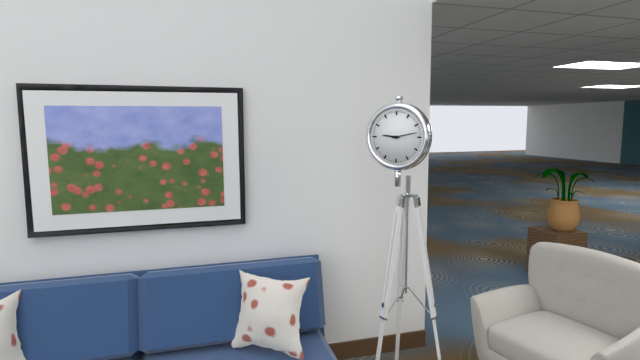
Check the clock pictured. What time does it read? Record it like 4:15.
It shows 9:13
